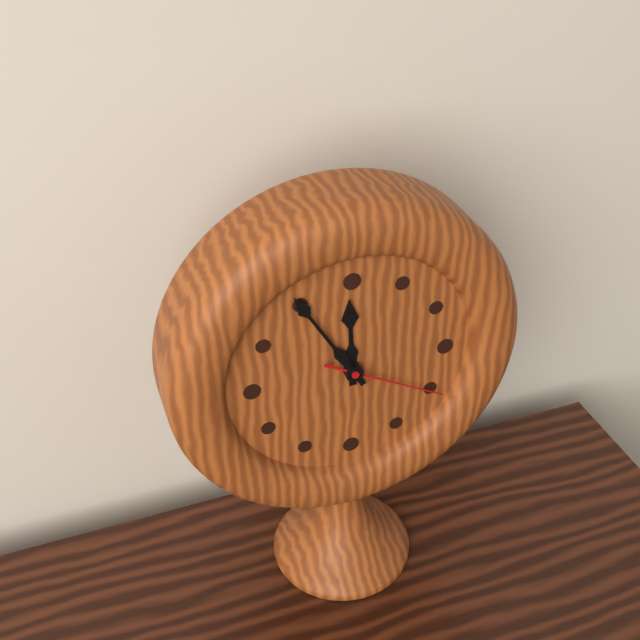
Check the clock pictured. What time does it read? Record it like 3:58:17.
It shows 11:55:20
